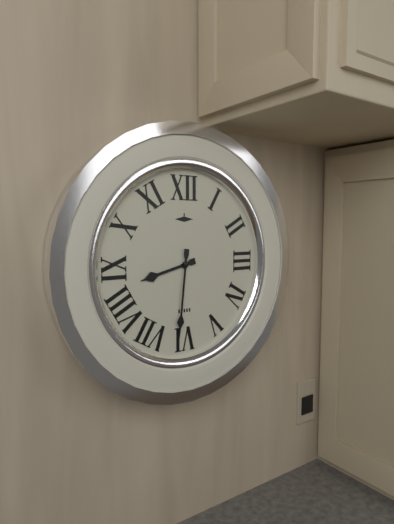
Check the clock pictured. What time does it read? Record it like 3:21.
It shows 8:31
